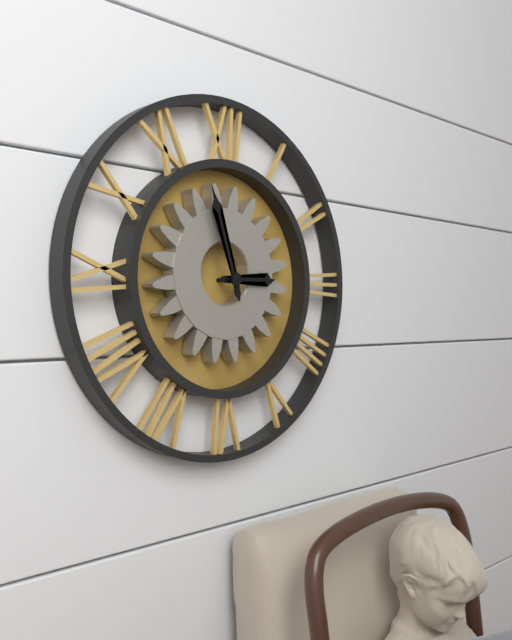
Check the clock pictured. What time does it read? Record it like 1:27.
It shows 2:57
